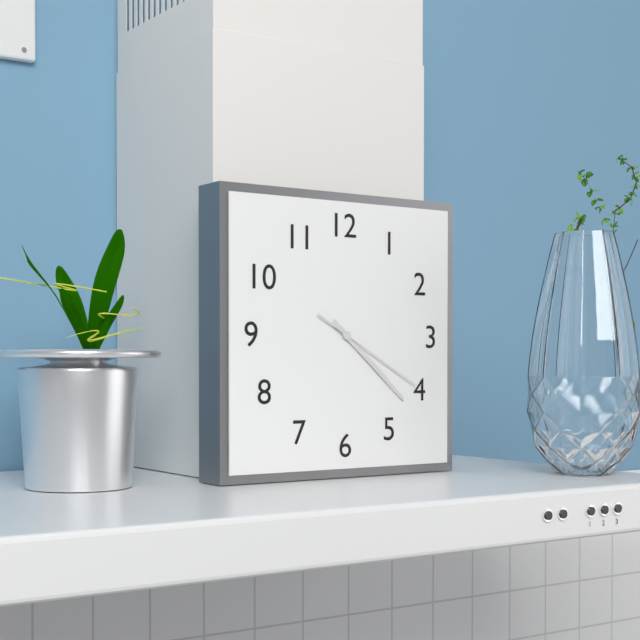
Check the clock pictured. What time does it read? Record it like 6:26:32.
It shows 4:22:20
